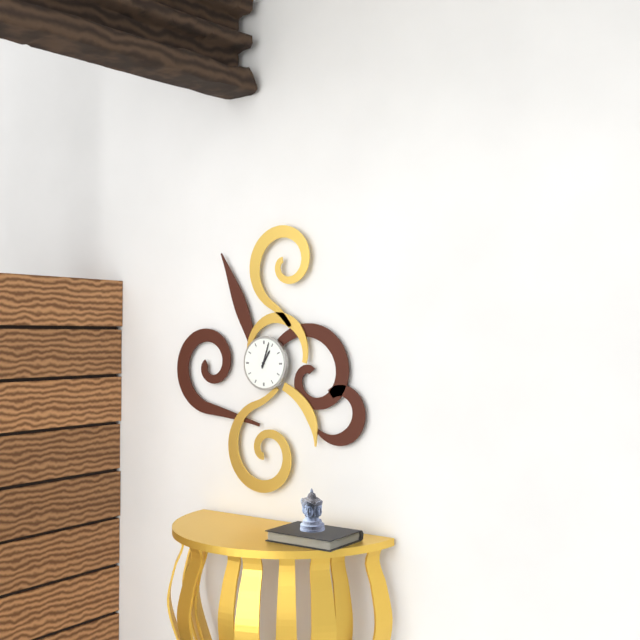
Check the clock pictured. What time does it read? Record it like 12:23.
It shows 1:03
